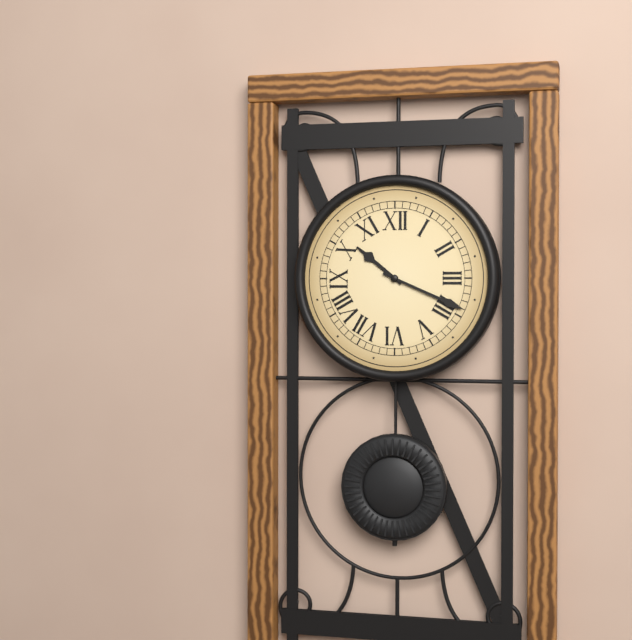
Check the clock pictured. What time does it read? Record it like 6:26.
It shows 10:19
